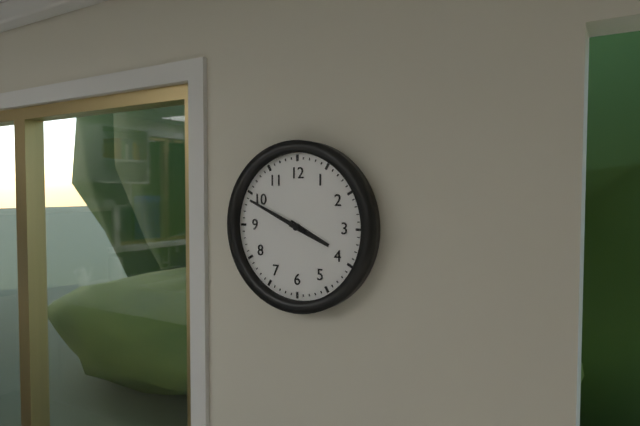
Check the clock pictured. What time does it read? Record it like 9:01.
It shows 3:49
